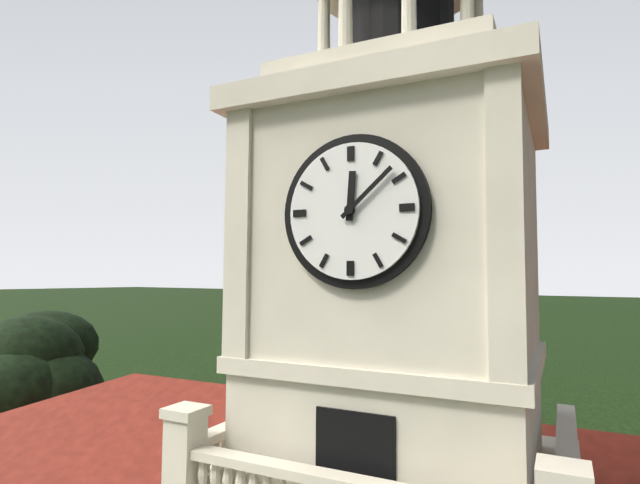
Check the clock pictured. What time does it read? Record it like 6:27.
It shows 12:08
